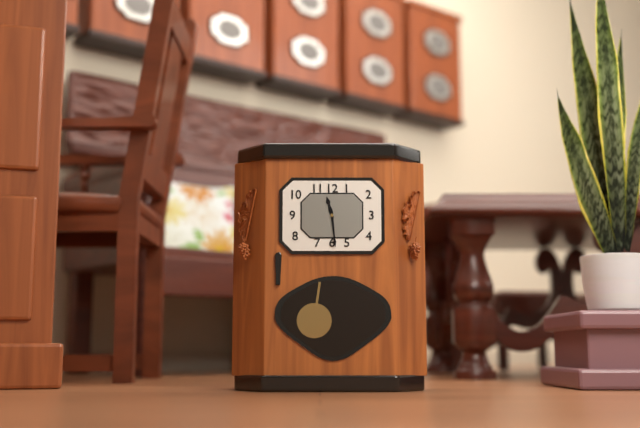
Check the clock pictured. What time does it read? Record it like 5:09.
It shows 11:29
